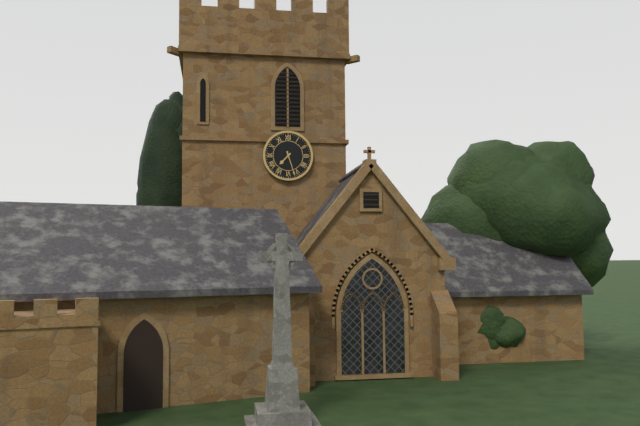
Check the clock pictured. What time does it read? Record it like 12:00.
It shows 7:27
